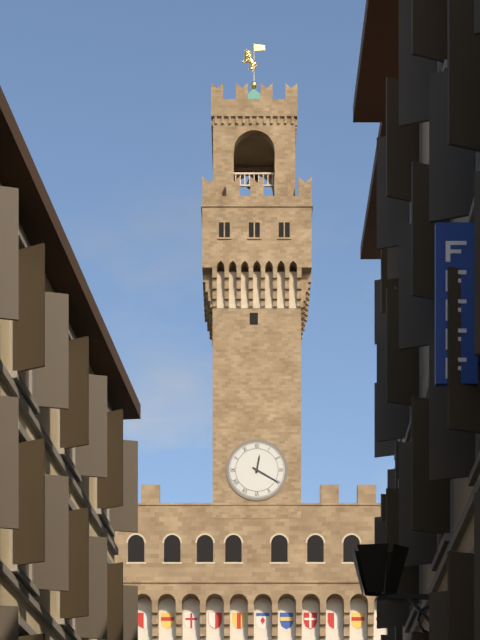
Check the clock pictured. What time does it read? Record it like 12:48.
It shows 12:20
